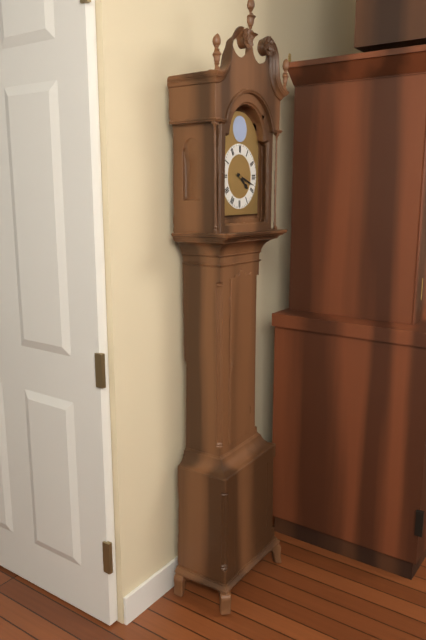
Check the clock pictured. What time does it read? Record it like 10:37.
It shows 4:18
